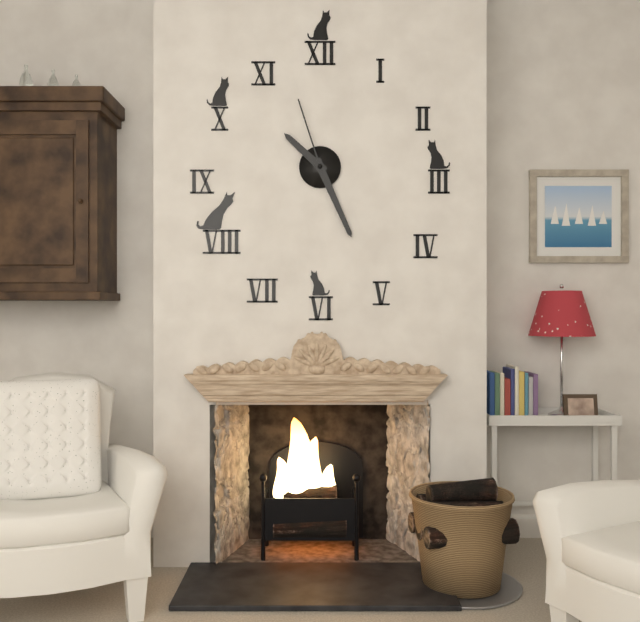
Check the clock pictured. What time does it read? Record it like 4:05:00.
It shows 10:26:57
